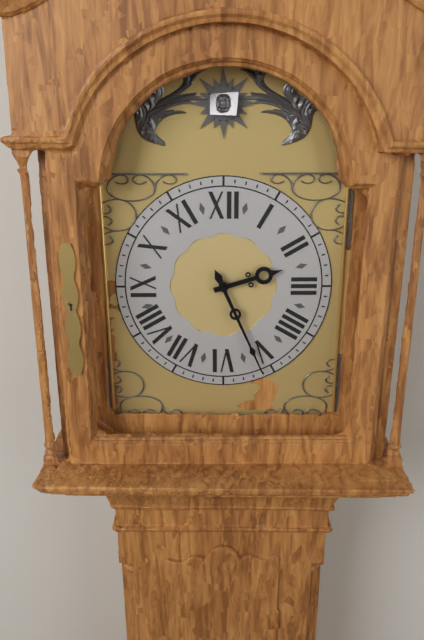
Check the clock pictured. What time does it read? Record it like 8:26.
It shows 2:26
